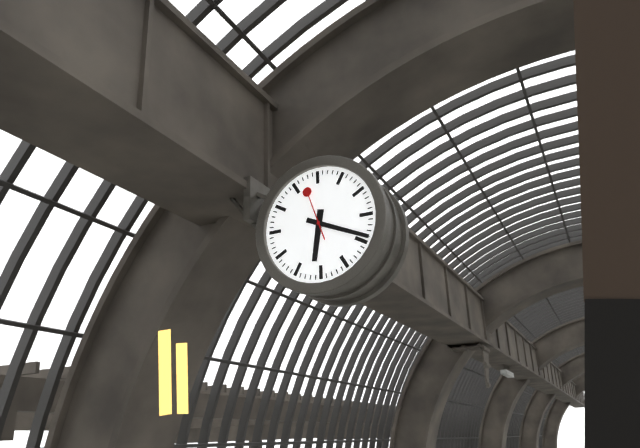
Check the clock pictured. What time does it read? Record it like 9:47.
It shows 6:19
